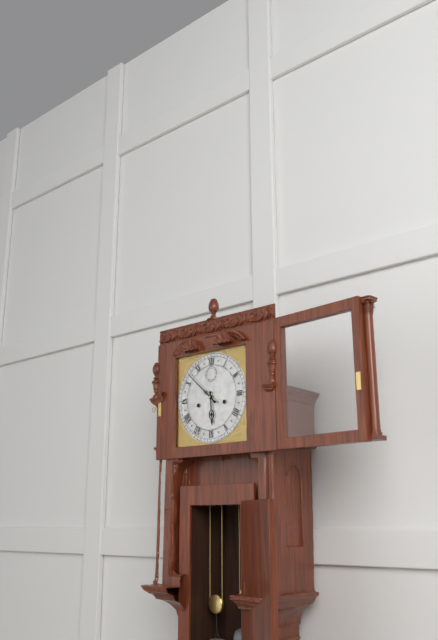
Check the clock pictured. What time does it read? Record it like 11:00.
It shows 5:52
